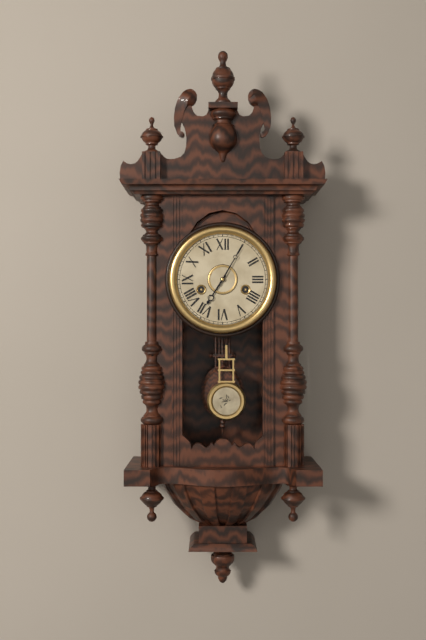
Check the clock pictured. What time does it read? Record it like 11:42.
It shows 7:05
